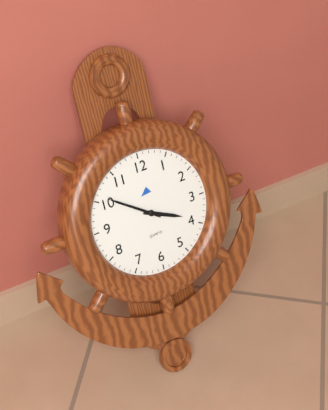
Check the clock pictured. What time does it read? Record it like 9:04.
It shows 3:51
